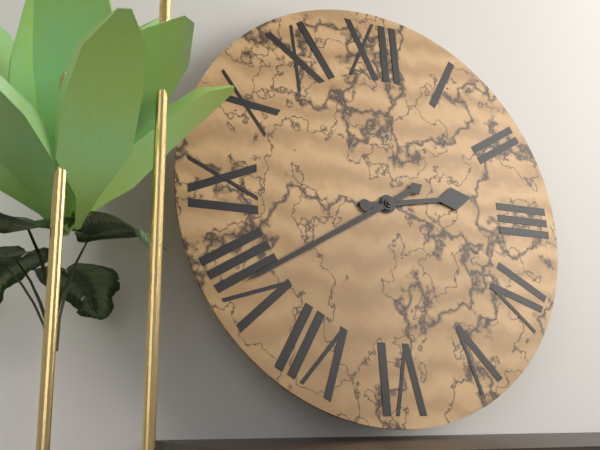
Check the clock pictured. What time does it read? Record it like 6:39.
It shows 2:40
